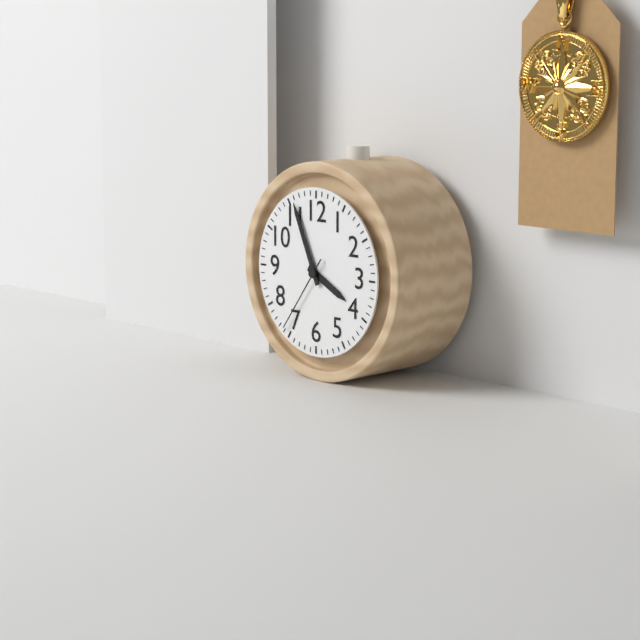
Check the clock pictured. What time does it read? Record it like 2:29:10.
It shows 3:56:36
